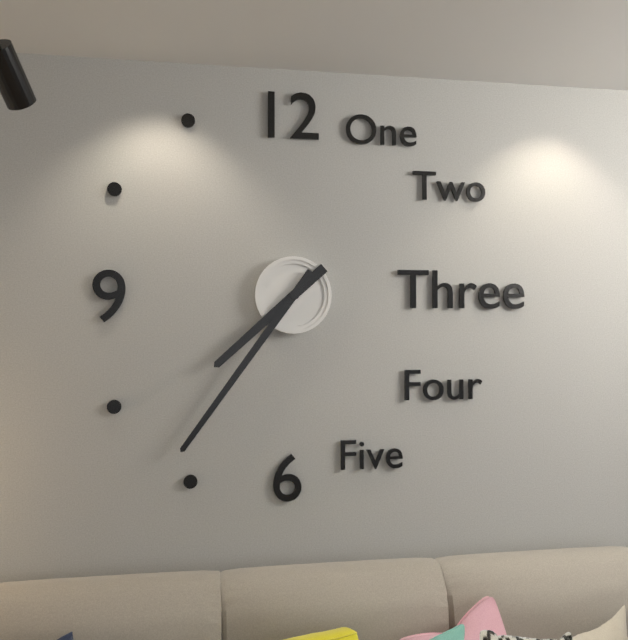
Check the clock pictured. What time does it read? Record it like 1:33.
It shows 7:36
